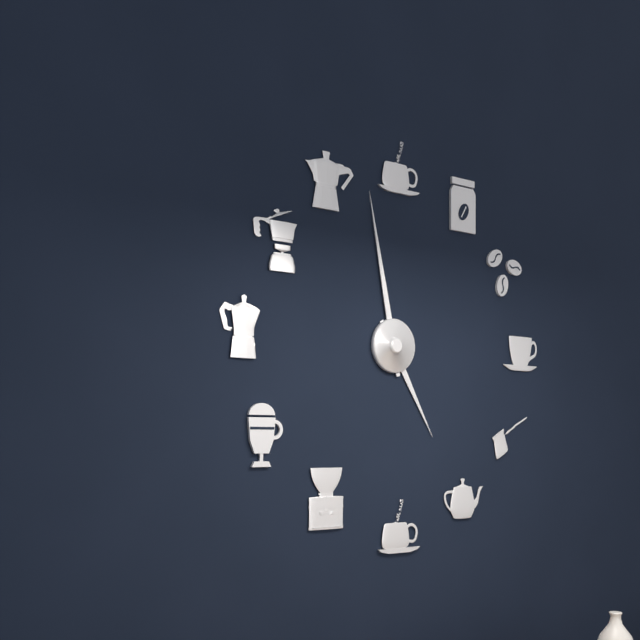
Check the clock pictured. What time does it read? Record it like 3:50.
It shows 4:58
